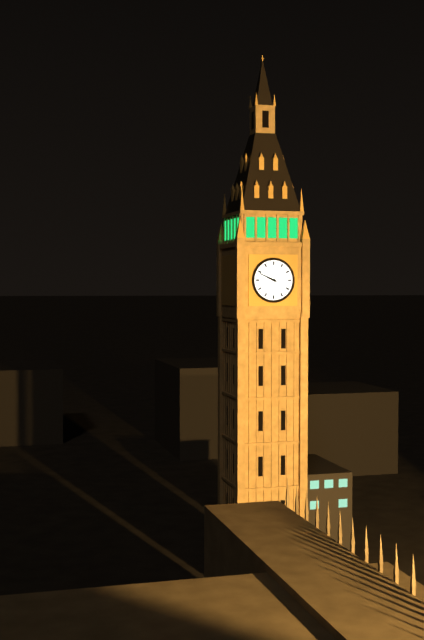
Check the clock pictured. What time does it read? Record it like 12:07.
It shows 9:49
